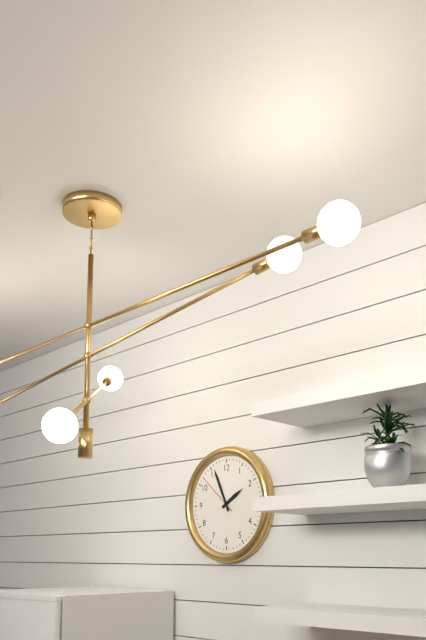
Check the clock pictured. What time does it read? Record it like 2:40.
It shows 1:56
